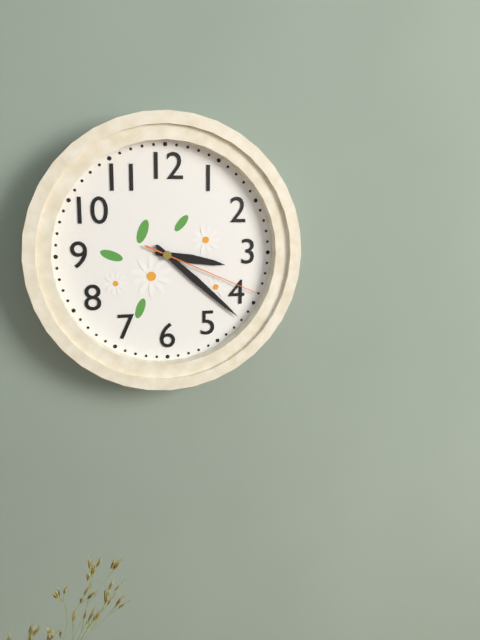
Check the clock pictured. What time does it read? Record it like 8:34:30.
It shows 3:22:19
